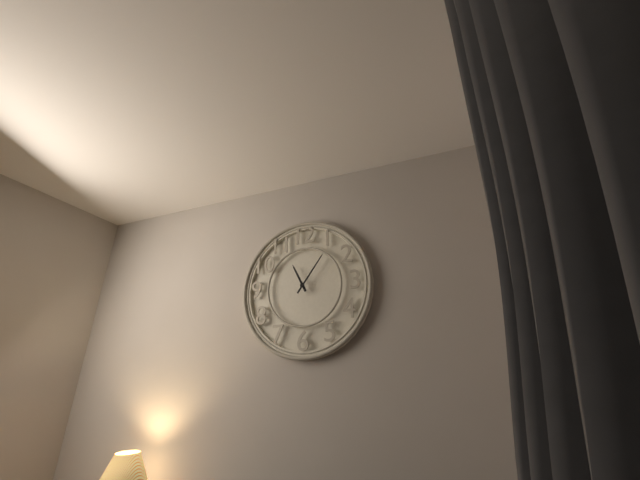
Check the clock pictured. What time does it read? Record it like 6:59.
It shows 11:06
